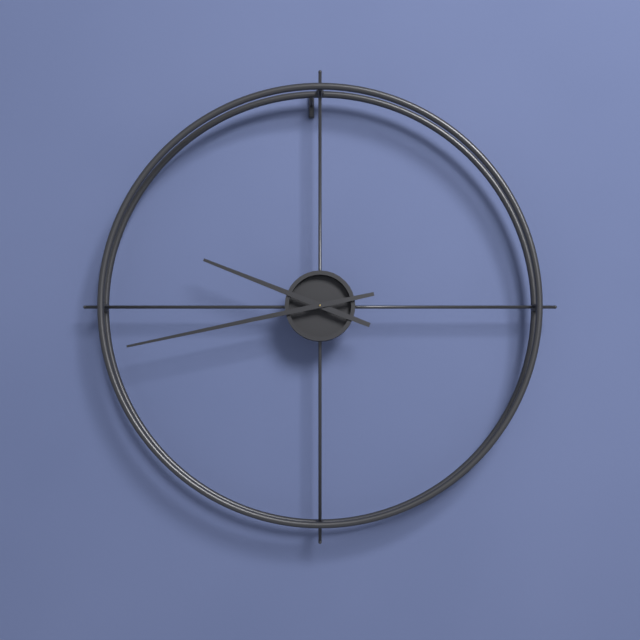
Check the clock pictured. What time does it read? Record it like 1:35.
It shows 9:43
